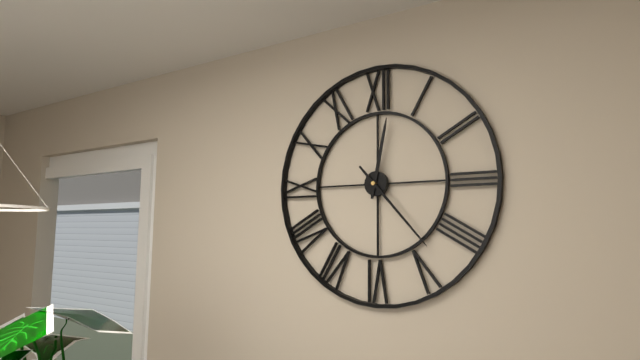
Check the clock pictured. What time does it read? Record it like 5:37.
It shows 12:23
